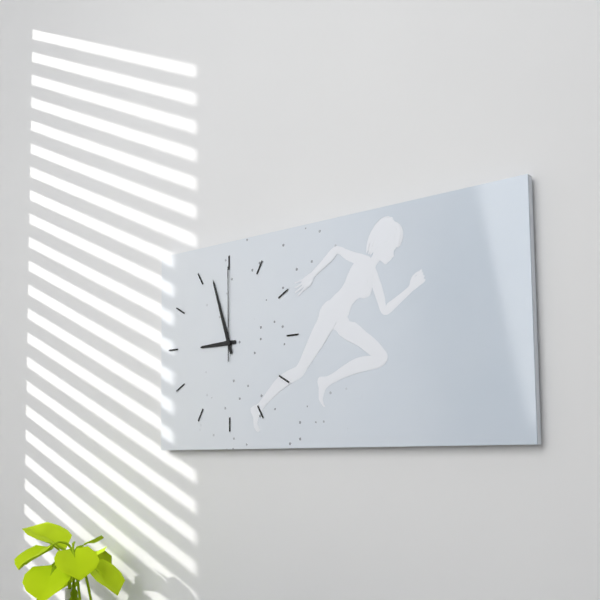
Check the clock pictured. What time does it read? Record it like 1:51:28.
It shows 8:57:00
